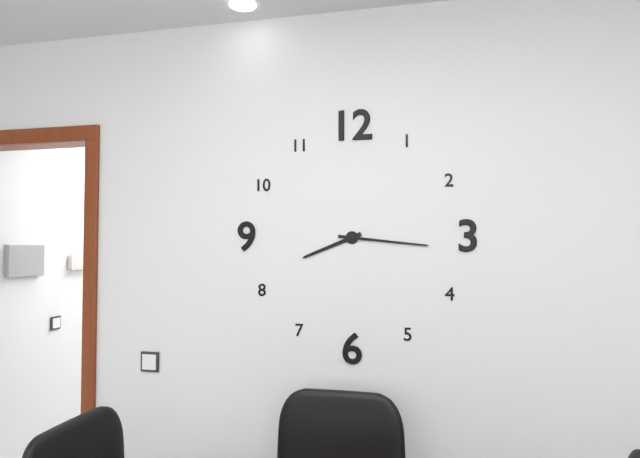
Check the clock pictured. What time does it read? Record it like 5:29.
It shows 8:16
